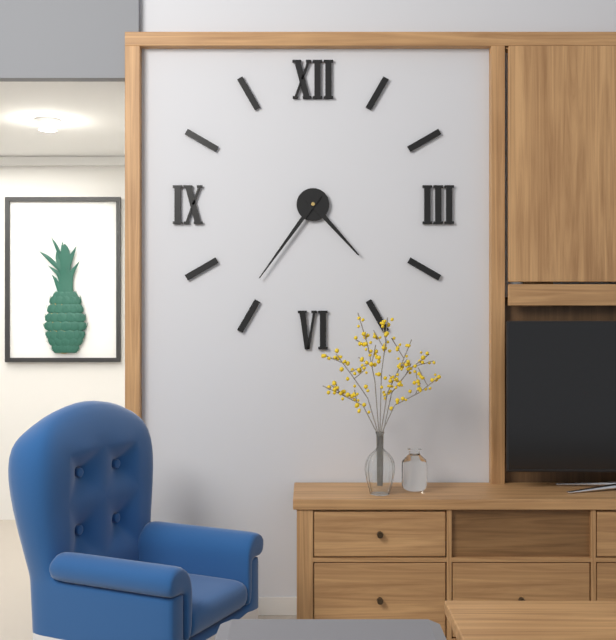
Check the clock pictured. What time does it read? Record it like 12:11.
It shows 4:36
